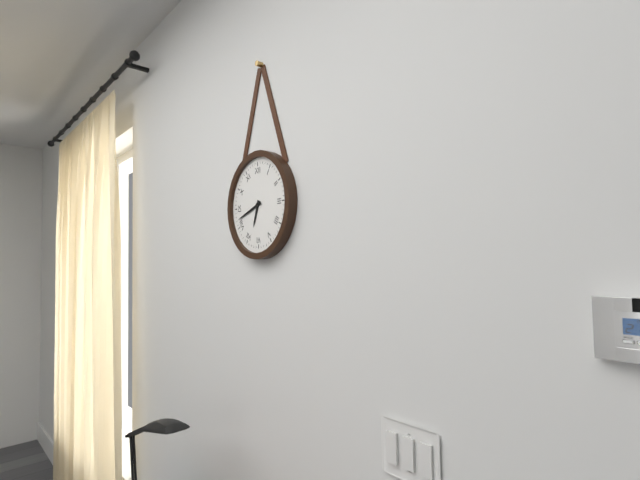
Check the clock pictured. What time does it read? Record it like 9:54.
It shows 6:42
